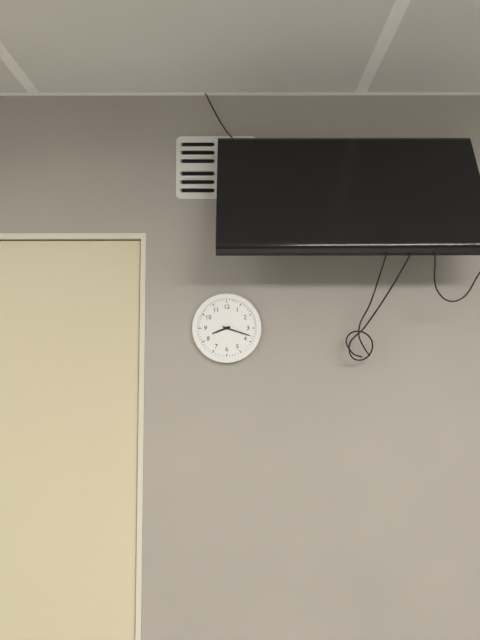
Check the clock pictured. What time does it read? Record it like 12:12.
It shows 8:18
